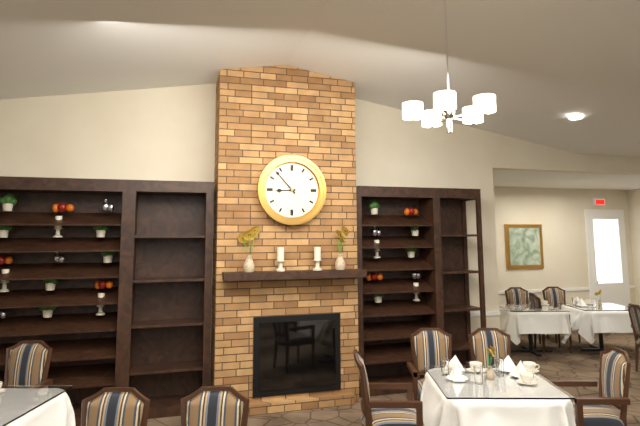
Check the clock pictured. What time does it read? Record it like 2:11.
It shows 8:53
